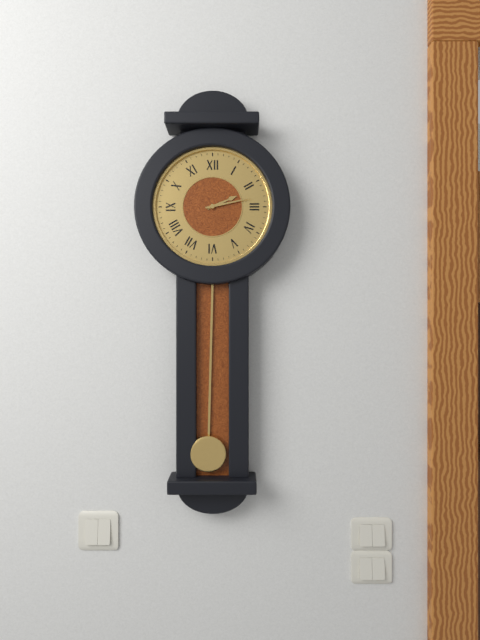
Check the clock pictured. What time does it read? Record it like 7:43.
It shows 2:13
